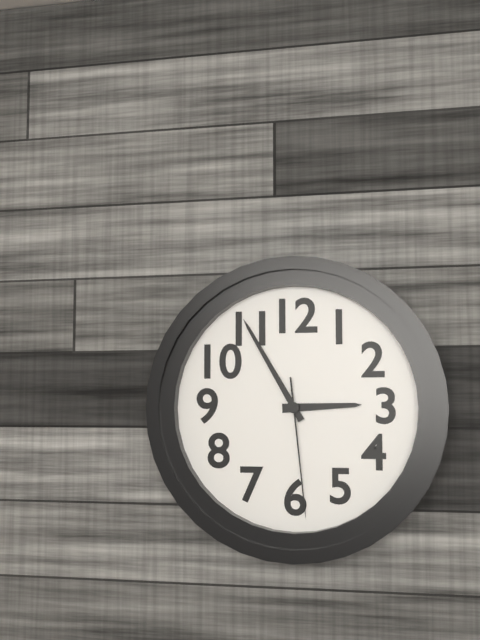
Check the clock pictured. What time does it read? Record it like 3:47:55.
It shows 2:55:29
